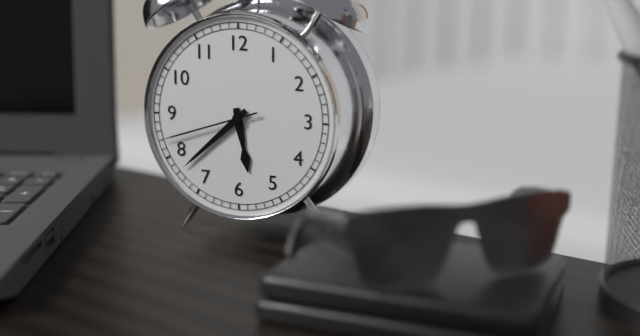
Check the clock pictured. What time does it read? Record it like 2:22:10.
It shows 5:38:42
